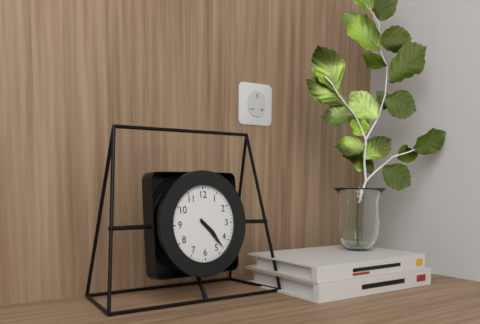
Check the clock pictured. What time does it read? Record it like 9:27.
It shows 4:23
